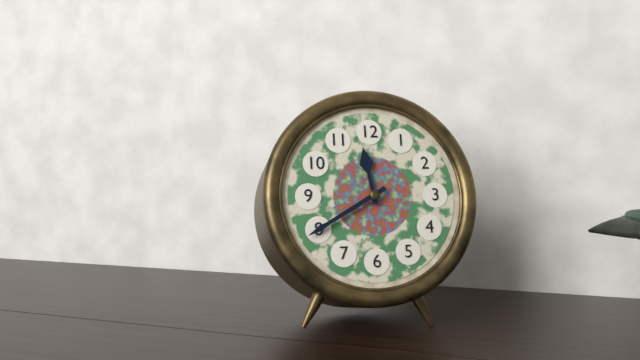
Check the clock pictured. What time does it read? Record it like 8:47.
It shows 11:40
